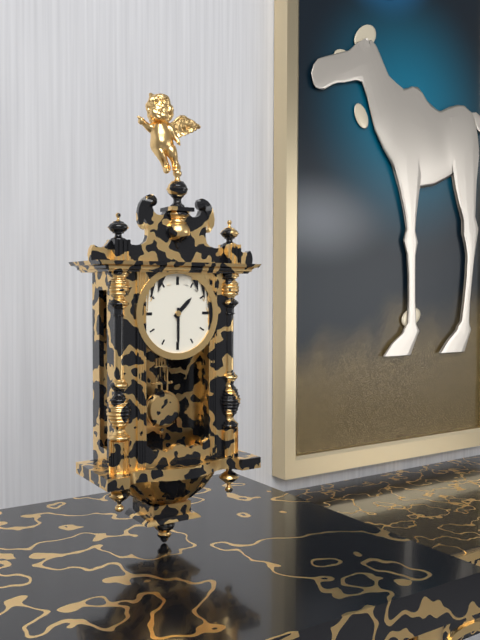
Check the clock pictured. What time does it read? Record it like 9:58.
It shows 1:30
